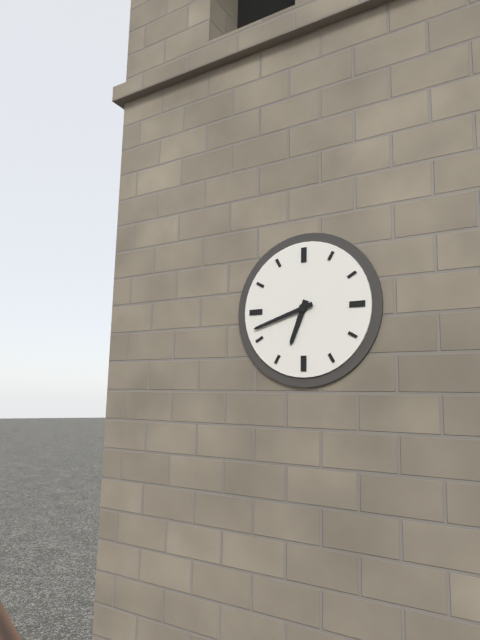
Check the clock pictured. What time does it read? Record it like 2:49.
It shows 6:42
